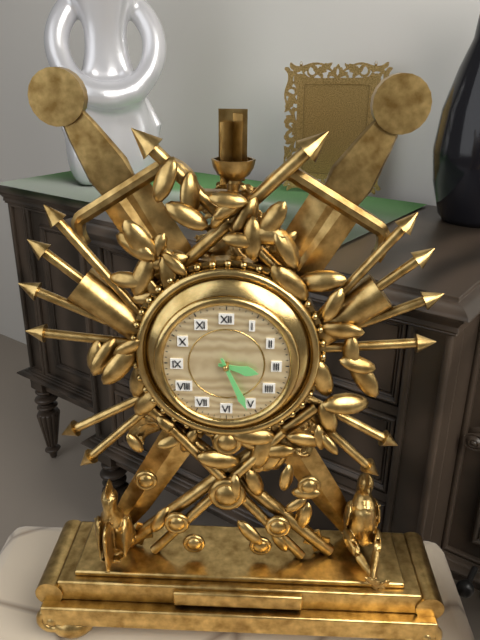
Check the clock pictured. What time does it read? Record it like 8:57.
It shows 3:26
